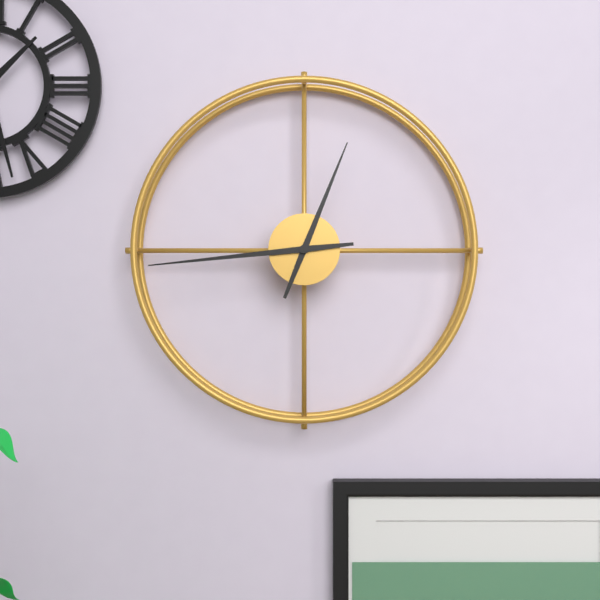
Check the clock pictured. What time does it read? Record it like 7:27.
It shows 12:44
